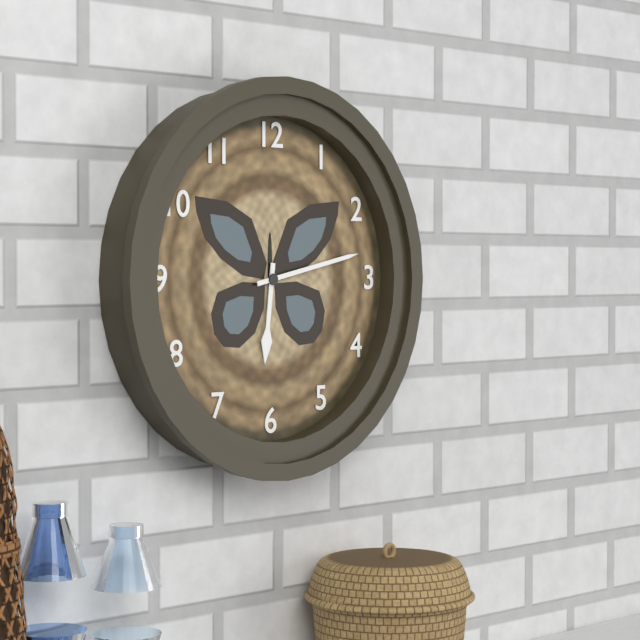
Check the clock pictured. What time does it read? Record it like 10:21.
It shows 6:13
